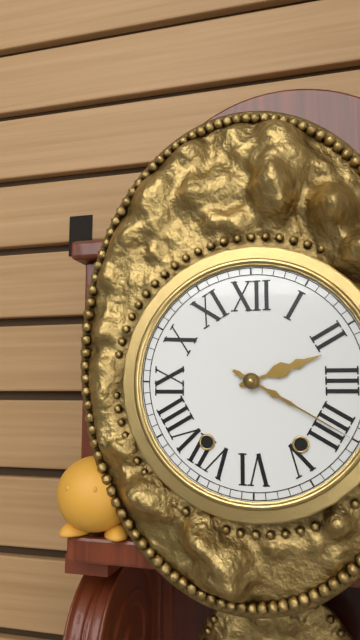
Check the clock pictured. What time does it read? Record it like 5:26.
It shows 2:20
